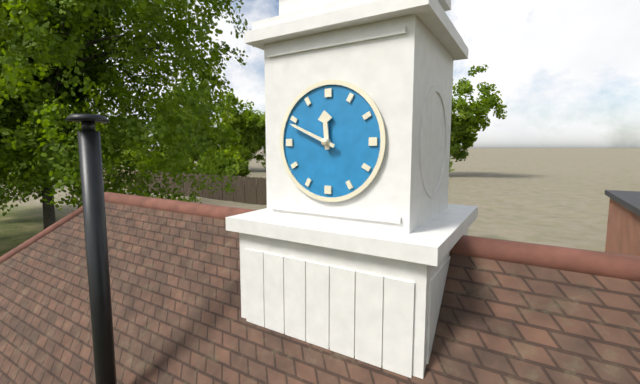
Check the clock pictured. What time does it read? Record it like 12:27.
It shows 11:49
